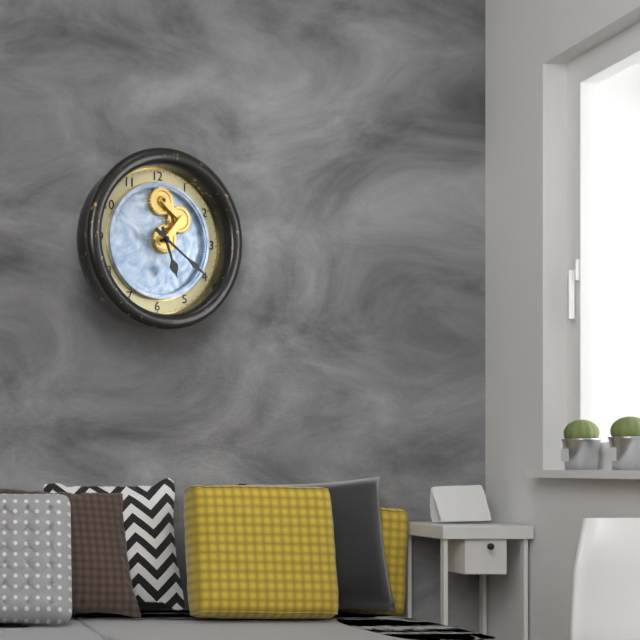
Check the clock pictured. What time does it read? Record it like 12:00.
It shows 5:21
